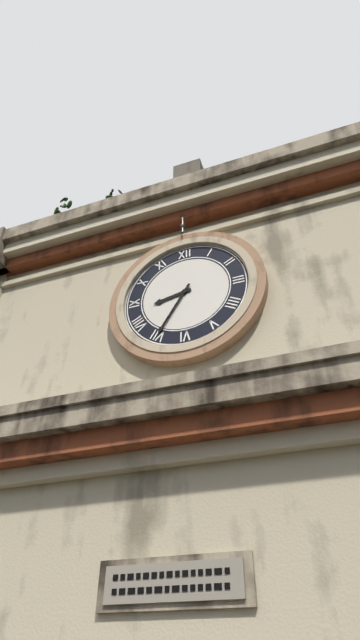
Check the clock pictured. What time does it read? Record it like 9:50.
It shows 8:35
